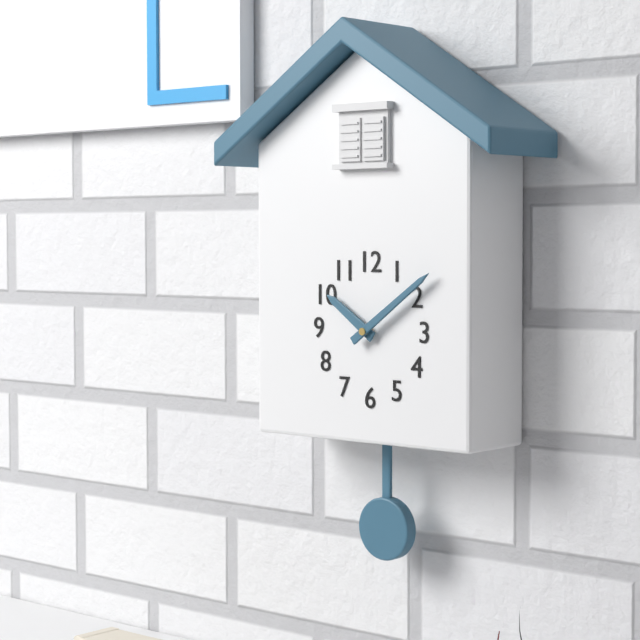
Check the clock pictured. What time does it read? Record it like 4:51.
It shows 10:09
